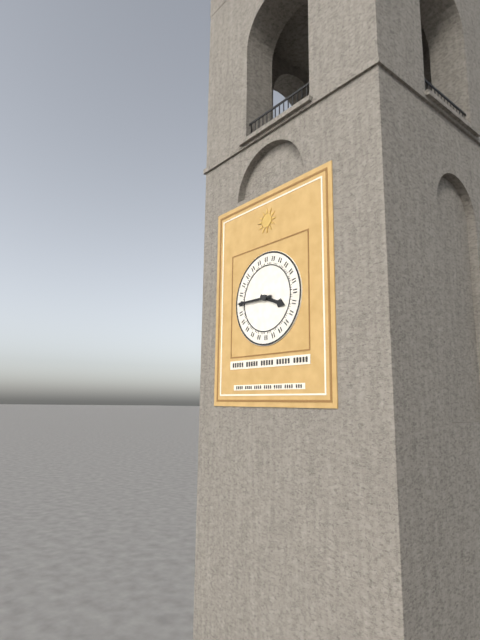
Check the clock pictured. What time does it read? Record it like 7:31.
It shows 3:45
